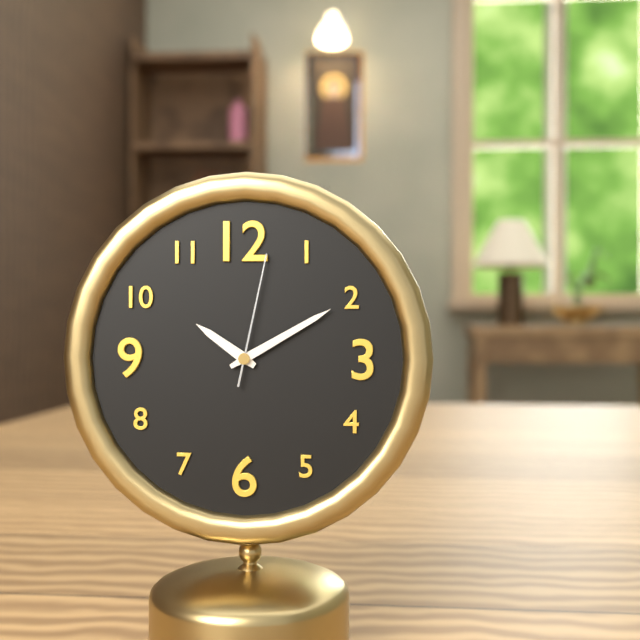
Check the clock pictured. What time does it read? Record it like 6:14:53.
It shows 10:10:02
